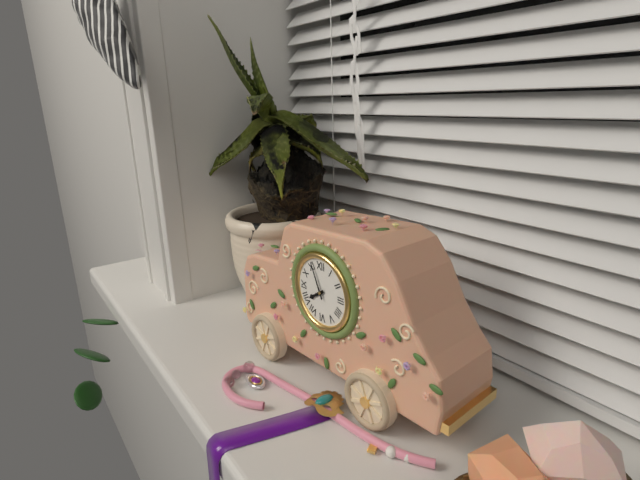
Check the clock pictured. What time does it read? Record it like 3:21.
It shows 7:56
